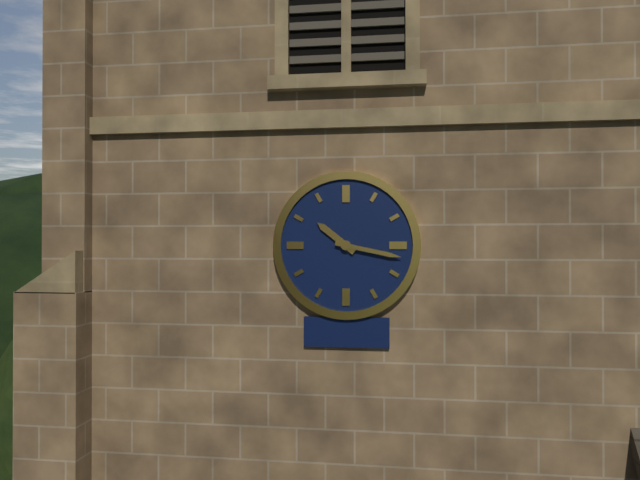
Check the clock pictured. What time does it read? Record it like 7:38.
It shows 10:17
